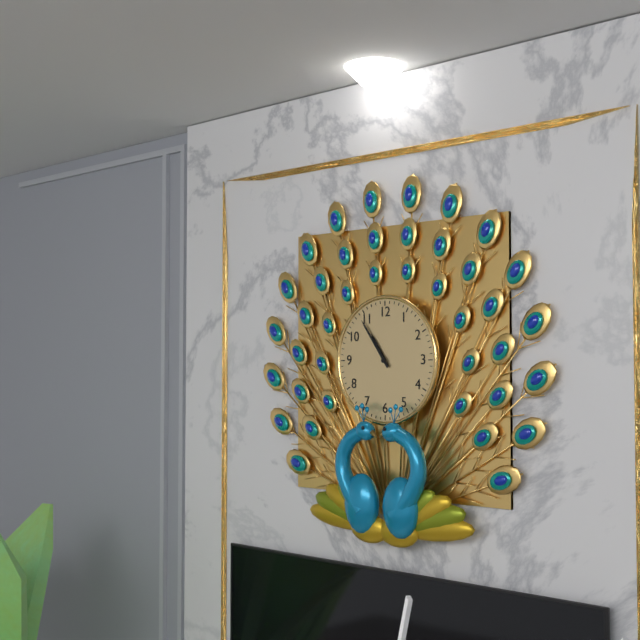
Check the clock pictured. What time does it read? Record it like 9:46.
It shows 10:54
